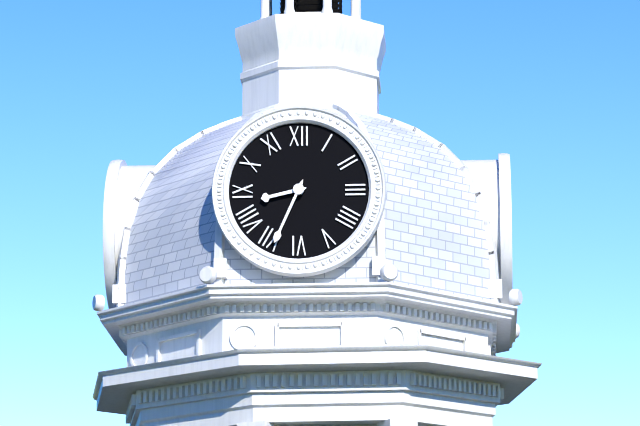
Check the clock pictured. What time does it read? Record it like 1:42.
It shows 8:34
